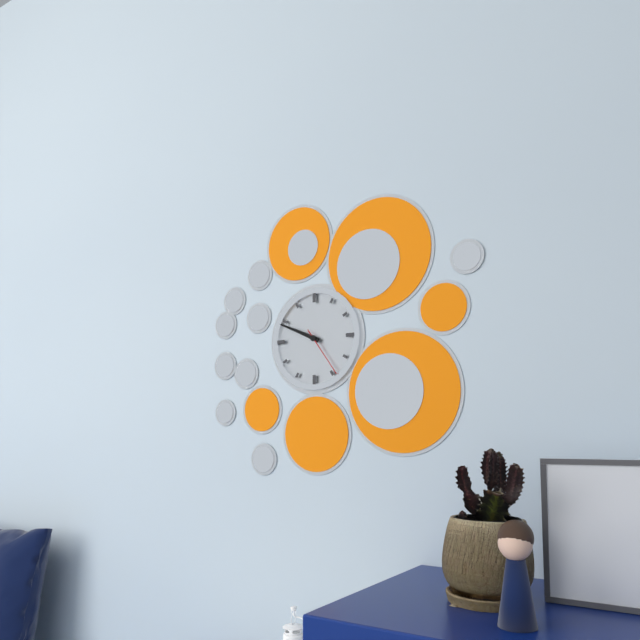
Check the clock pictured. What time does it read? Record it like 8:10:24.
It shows 9:49:24
